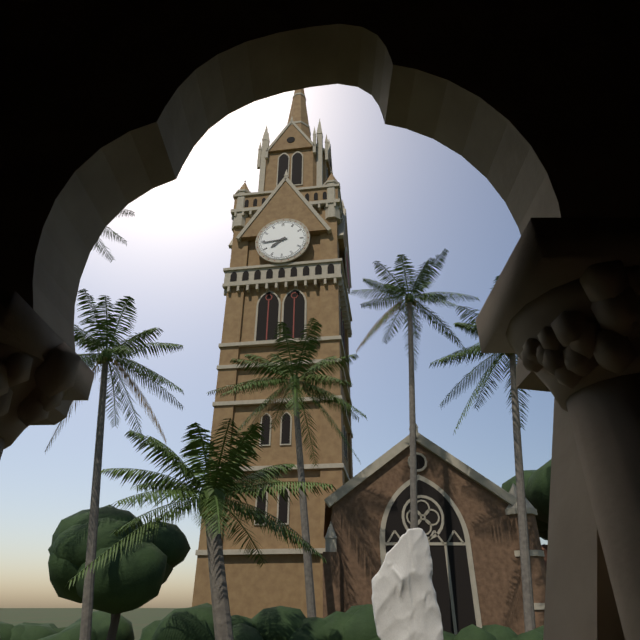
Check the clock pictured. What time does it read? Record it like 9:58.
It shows 7:44
